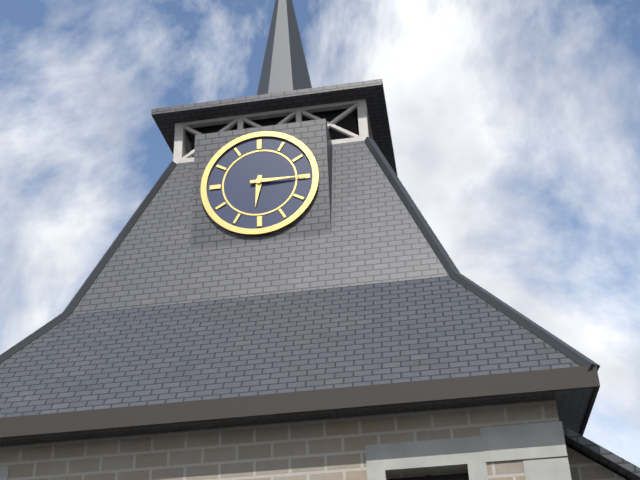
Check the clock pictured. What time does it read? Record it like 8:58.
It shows 6:15
